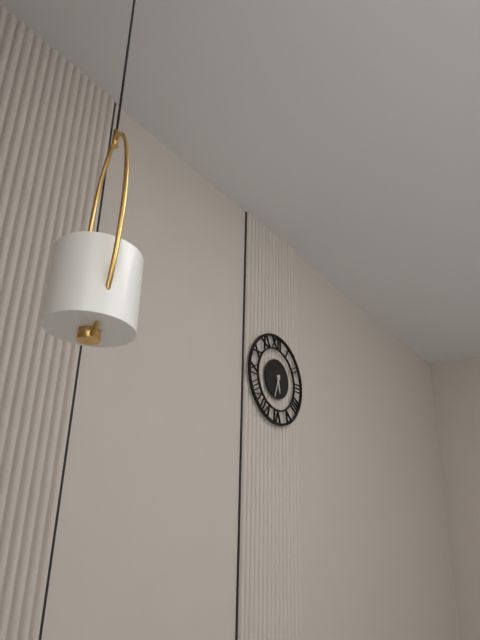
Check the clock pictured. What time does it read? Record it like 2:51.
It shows 5:33
